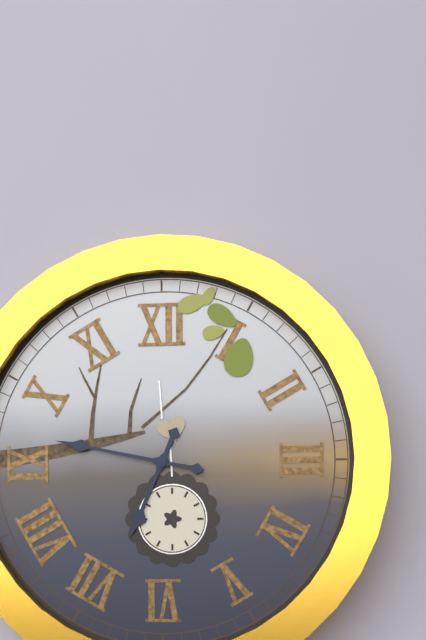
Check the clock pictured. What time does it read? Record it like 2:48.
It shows 6:47
